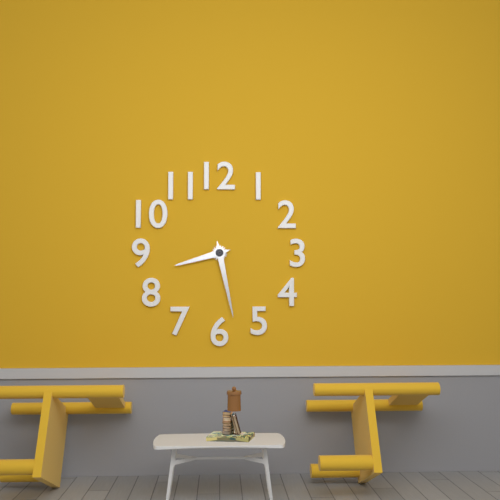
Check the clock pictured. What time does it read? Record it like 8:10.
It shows 8:28
